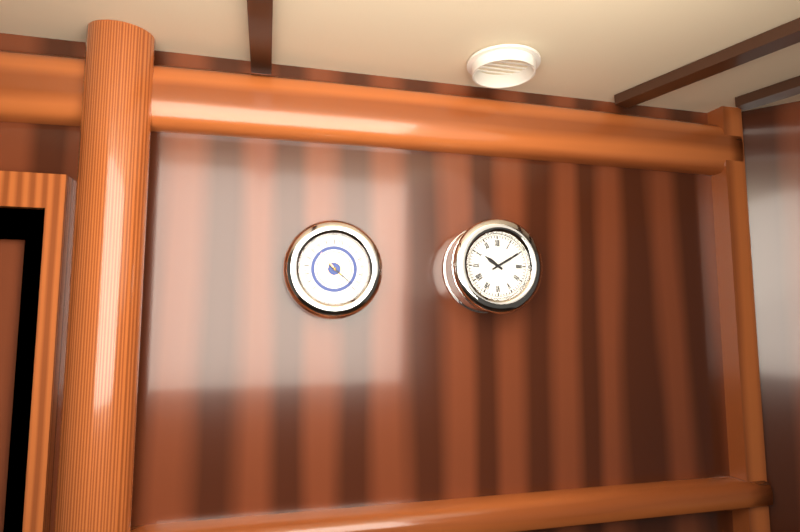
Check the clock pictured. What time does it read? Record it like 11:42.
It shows 10:10
